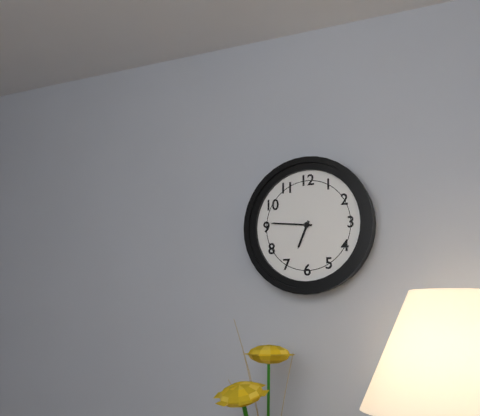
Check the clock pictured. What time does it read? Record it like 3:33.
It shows 6:46
